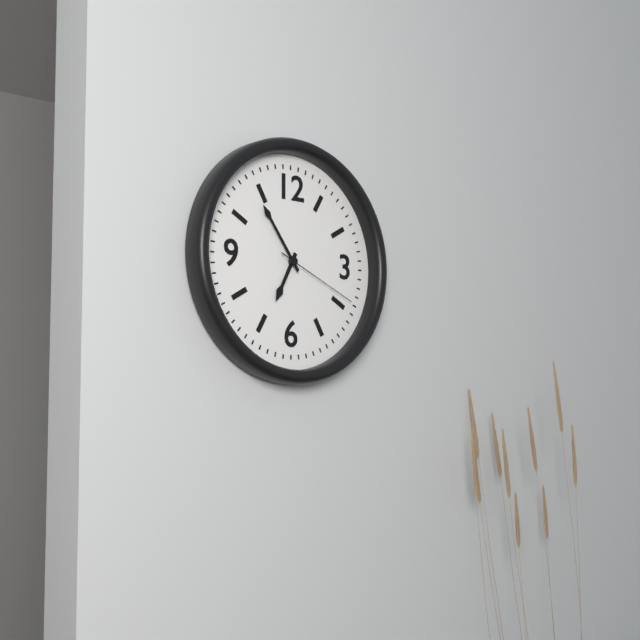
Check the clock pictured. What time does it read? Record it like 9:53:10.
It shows 6:54:19
